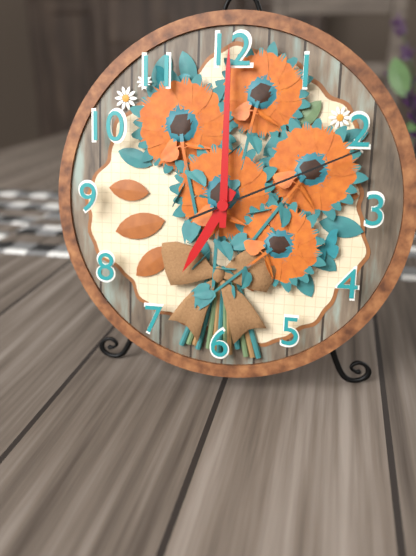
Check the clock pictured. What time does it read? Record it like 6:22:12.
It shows 7:00:11
